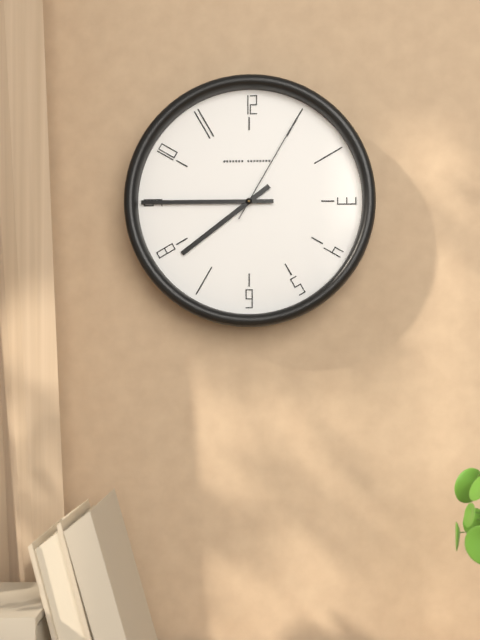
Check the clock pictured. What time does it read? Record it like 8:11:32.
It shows 7:45:05
